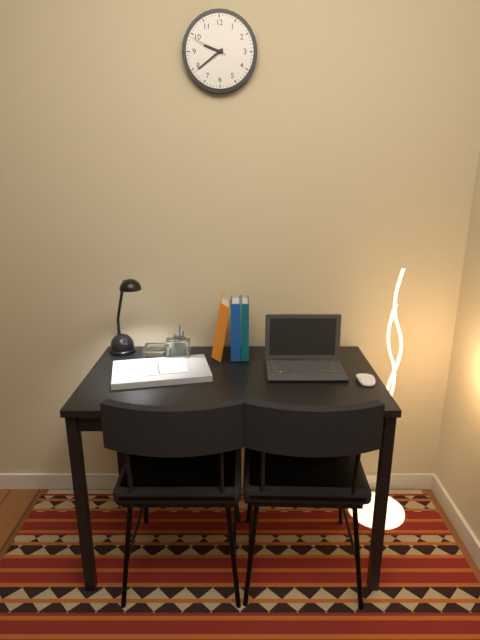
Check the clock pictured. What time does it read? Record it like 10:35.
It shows 9:39
